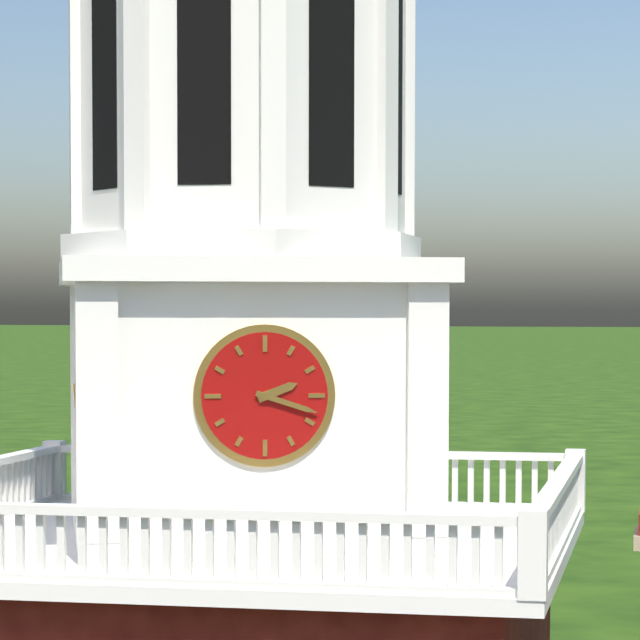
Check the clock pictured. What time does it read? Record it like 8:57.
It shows 2:18
